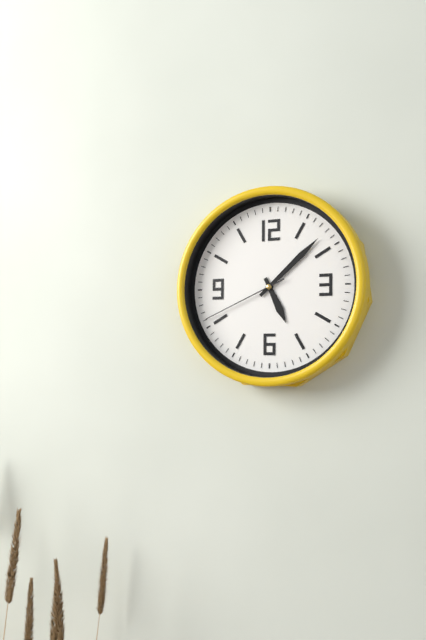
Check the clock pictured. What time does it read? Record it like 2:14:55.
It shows 5:08:41
